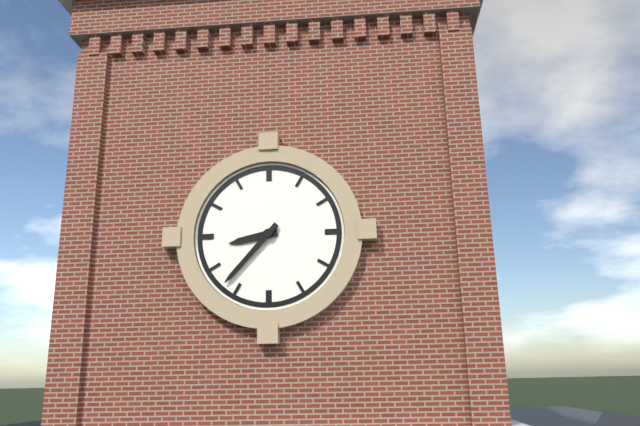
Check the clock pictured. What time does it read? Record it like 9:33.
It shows 8:37
